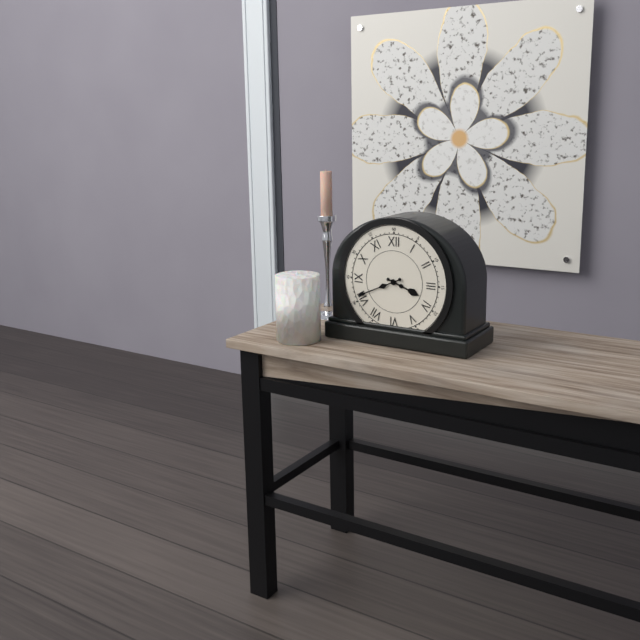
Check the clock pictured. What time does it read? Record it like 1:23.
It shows 3:41
